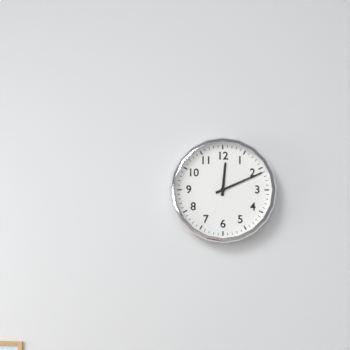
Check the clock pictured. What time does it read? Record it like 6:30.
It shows 12:11
